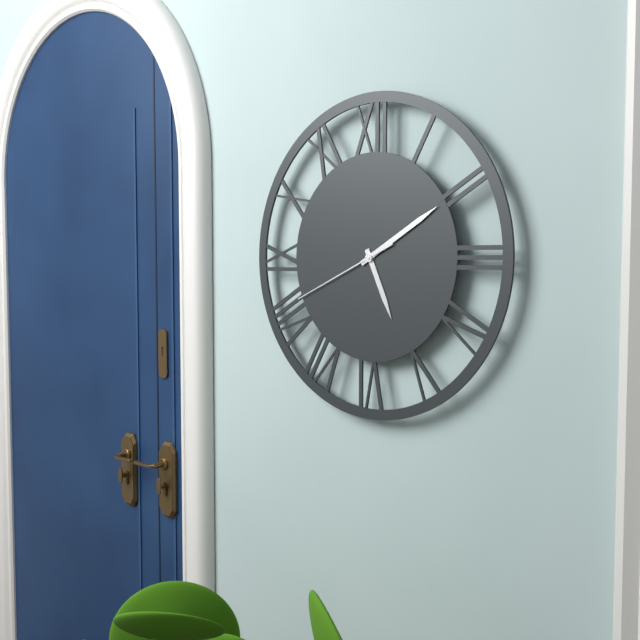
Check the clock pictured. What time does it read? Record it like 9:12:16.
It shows 5:10:41
